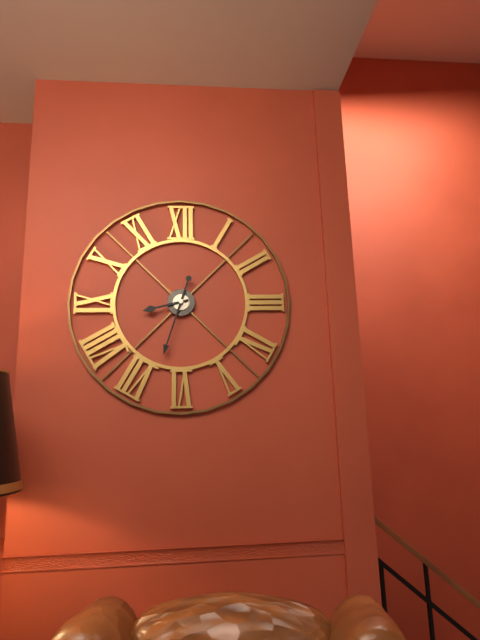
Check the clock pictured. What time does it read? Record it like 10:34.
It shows 8:33
